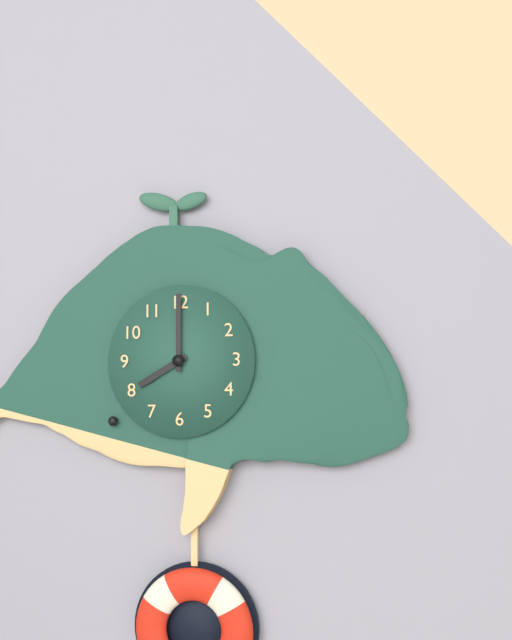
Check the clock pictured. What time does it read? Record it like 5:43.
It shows 8:00
